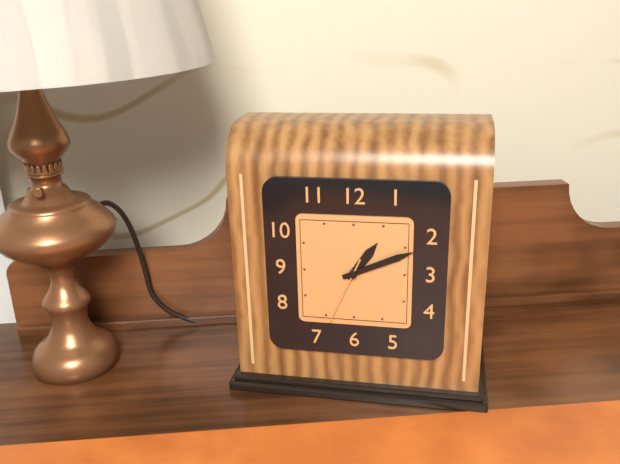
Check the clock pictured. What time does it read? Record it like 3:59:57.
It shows 1:11:34
